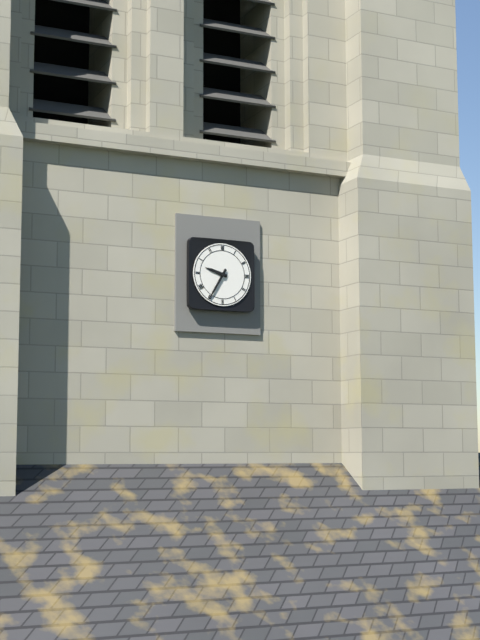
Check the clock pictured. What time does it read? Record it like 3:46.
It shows 9:35
